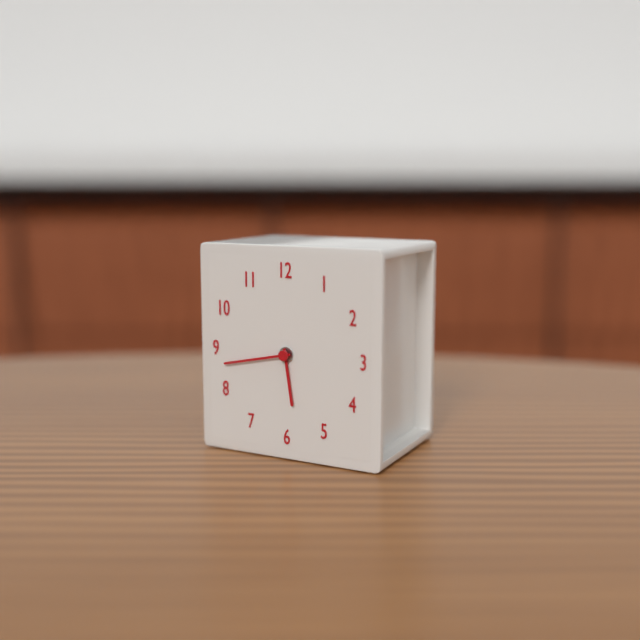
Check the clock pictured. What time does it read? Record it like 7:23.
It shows 5:43
